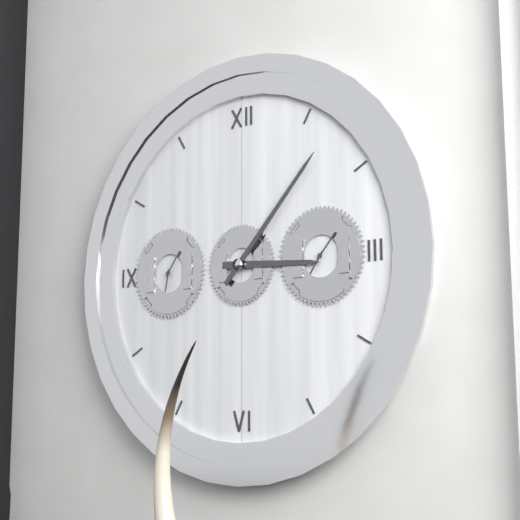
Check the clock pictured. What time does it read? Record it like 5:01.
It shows 3:07
